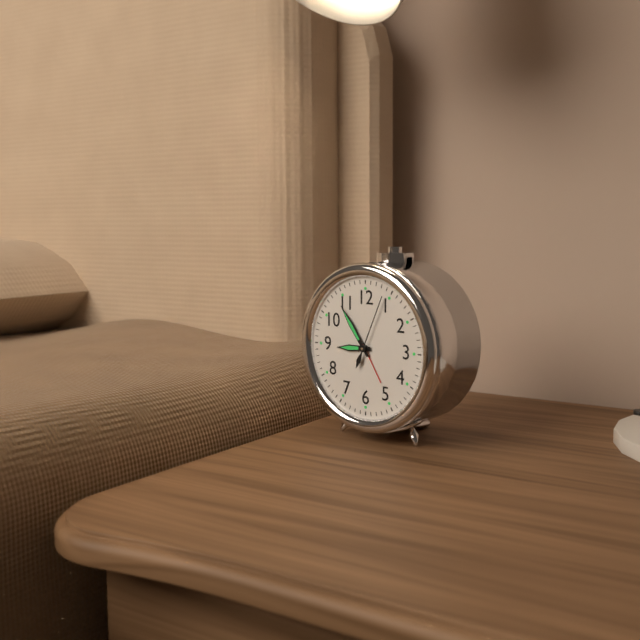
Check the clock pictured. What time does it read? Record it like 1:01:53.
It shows 8:54:04
